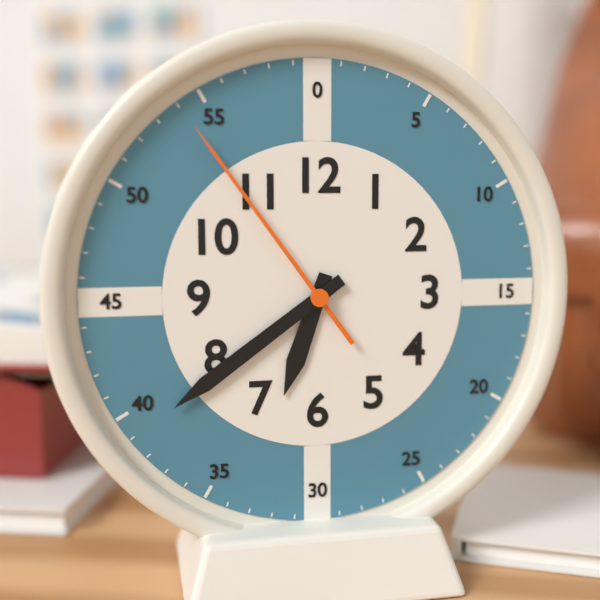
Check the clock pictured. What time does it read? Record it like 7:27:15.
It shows 6:39:54
